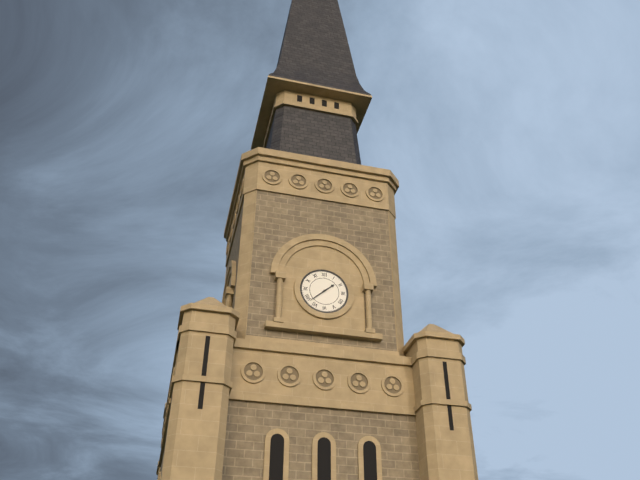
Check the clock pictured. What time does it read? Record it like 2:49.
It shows 1:38
